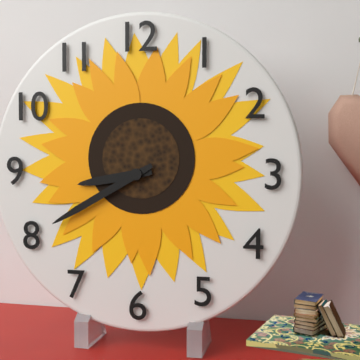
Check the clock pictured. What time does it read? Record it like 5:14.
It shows 8:40
